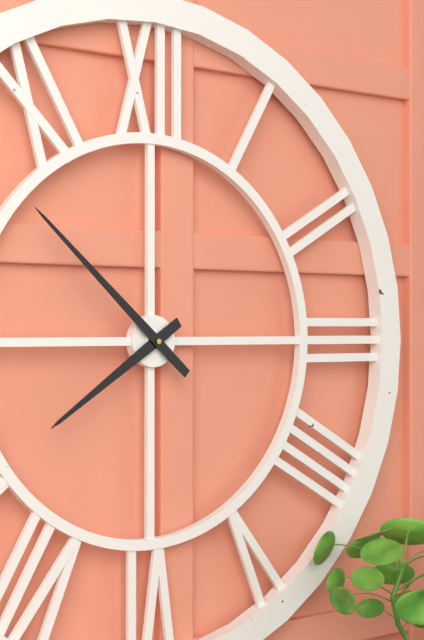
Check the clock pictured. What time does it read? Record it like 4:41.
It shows 7:52
